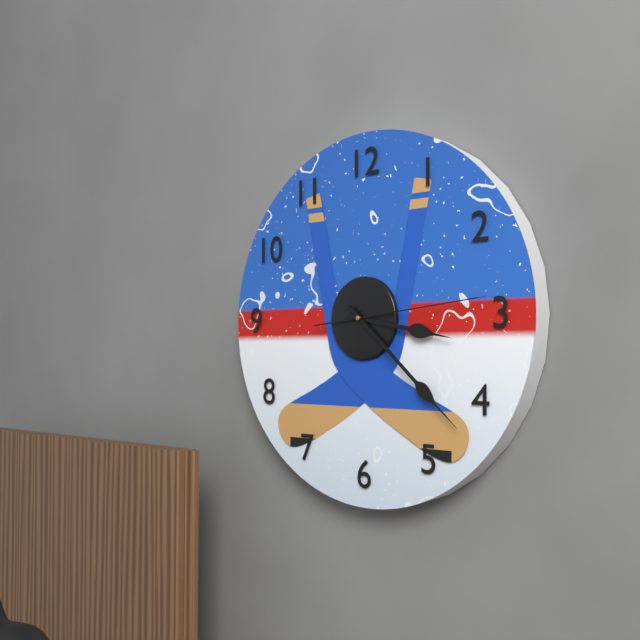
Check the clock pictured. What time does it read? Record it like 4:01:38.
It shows 3:22:14
